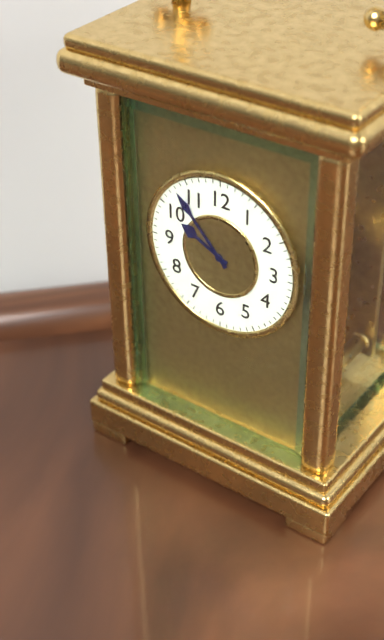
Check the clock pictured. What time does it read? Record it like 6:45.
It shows 9:53
